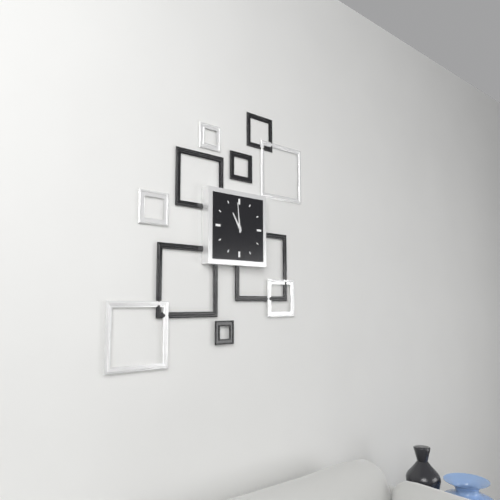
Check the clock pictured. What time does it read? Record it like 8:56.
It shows 10:59
